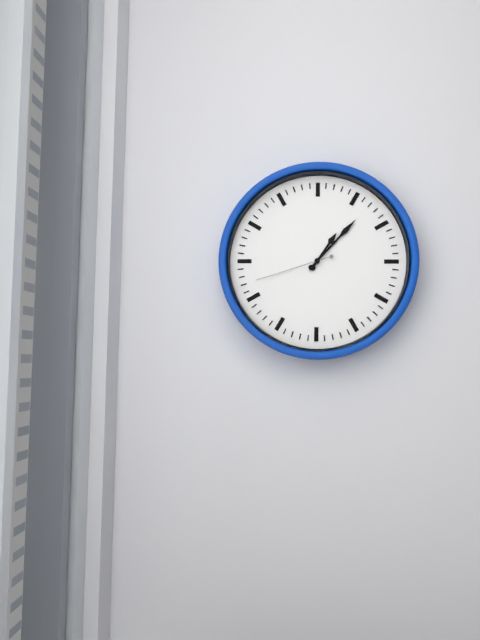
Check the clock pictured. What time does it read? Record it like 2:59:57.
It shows 1:07:42
